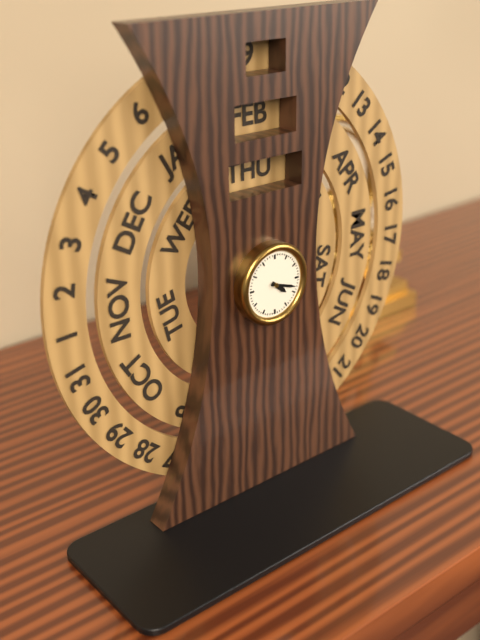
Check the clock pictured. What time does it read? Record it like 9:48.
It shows 4:18
